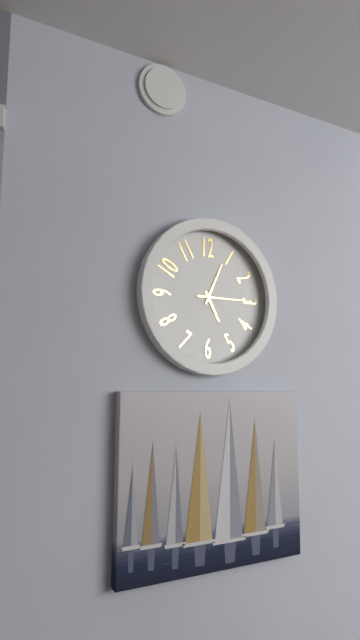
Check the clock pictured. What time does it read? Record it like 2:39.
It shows 5:04
